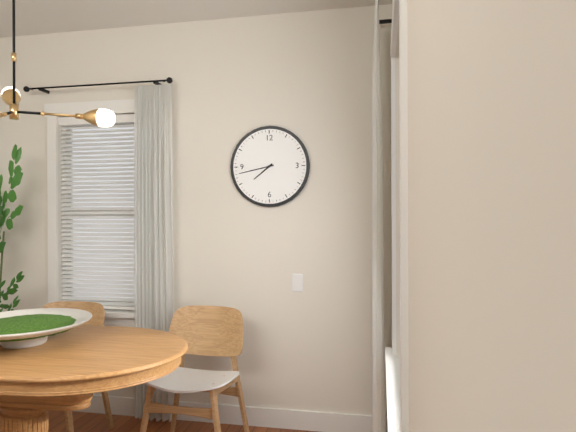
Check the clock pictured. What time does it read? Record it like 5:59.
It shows 7:43
